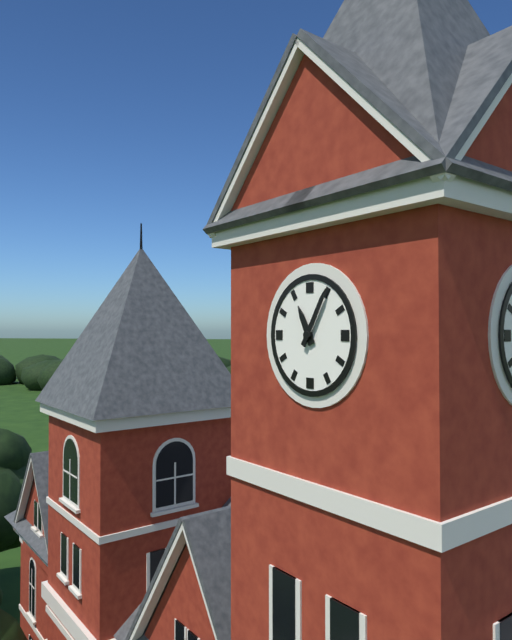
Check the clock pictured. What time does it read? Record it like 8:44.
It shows 11:05
